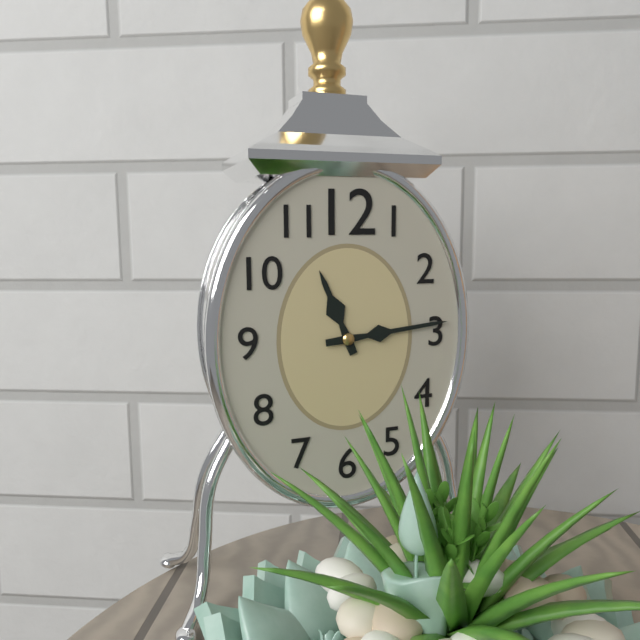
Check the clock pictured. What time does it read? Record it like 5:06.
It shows 11:14
